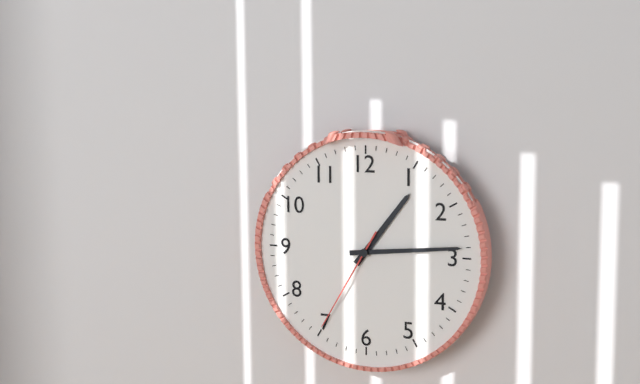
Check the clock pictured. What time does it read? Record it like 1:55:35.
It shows 1:14:35
